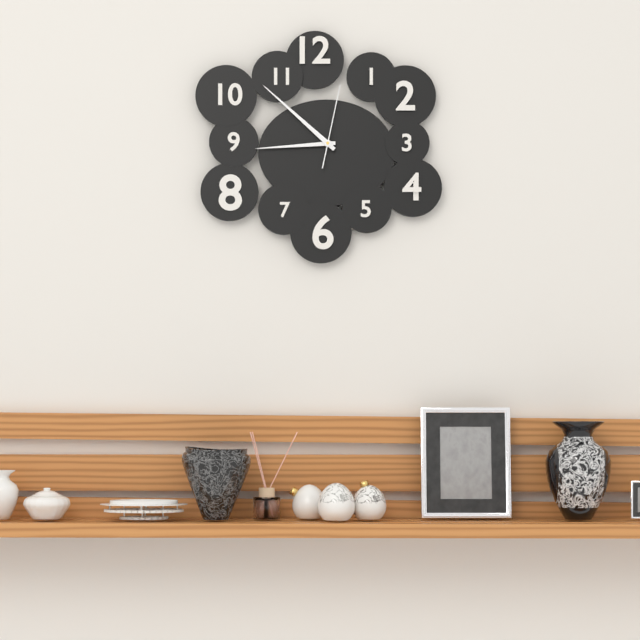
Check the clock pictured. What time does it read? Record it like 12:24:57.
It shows 8:52:02
